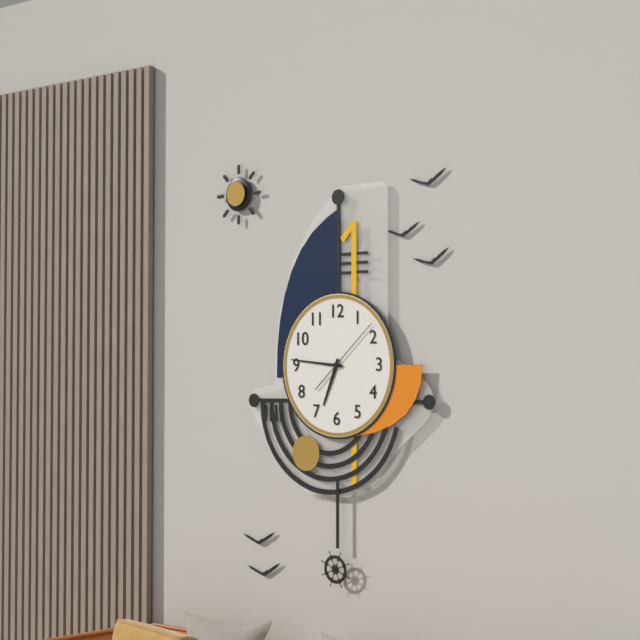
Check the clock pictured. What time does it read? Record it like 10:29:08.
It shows 6:46:08
